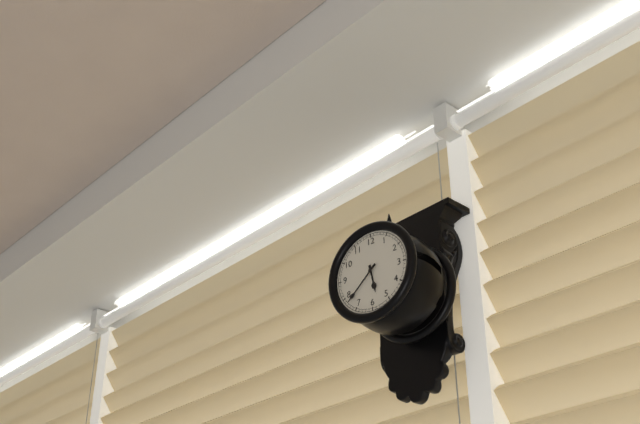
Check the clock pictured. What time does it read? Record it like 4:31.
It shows 5:38
